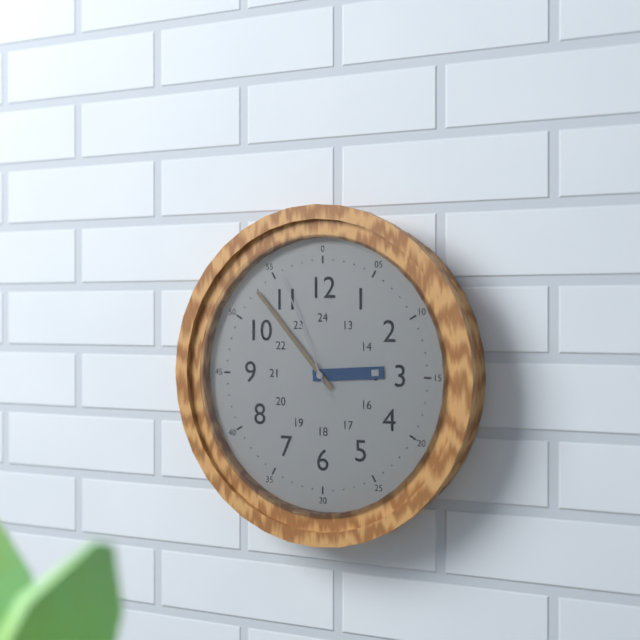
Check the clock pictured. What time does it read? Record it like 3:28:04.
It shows 2:53:56
